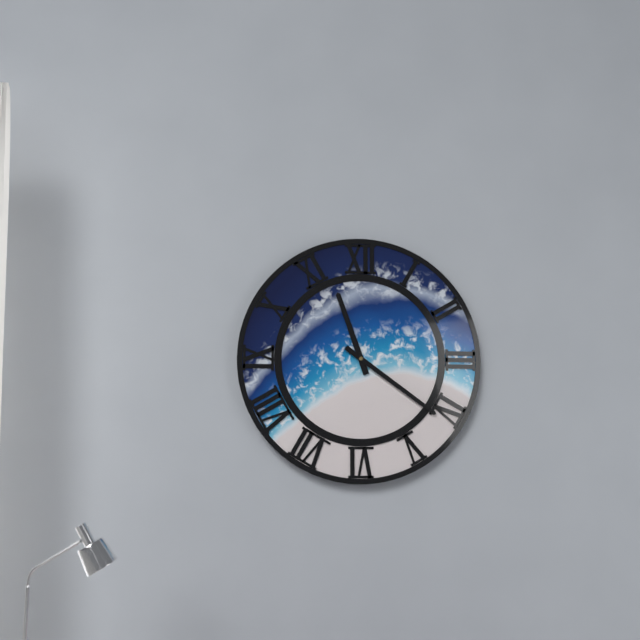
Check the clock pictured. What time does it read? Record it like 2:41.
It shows 11:21
